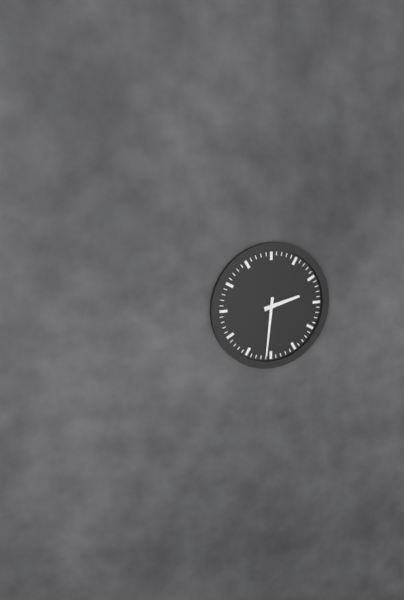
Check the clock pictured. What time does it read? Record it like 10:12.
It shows 2:31
